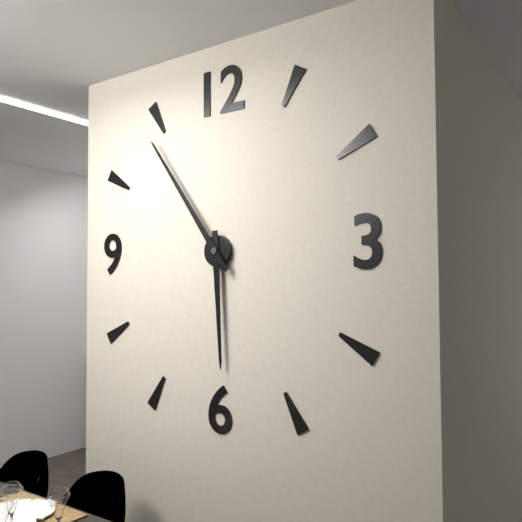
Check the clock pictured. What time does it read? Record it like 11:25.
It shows 5:54
